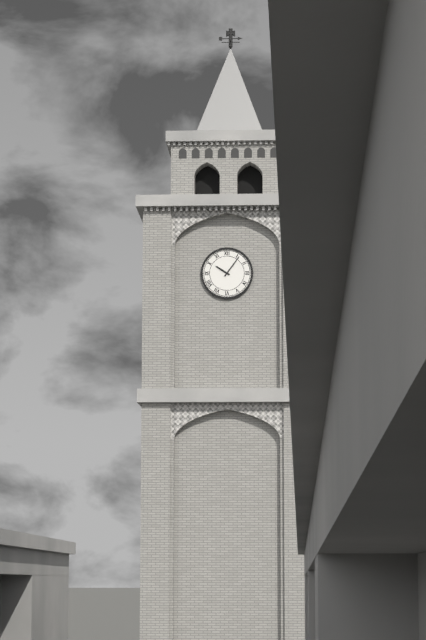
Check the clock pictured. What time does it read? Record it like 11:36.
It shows 10:06
